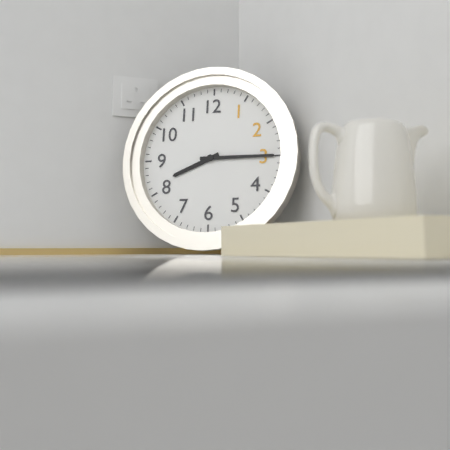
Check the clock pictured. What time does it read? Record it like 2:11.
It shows 8:15
